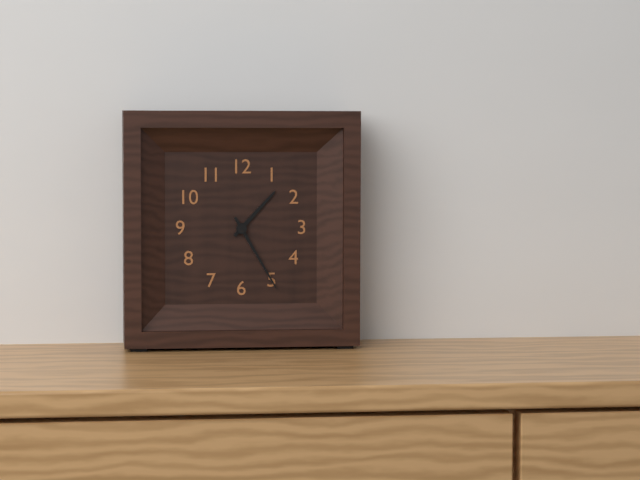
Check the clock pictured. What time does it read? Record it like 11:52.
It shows 1:25
